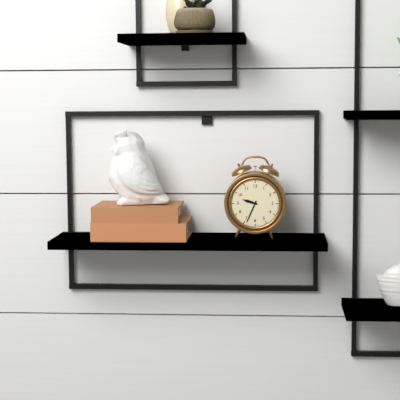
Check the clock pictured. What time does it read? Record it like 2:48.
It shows 9:34
